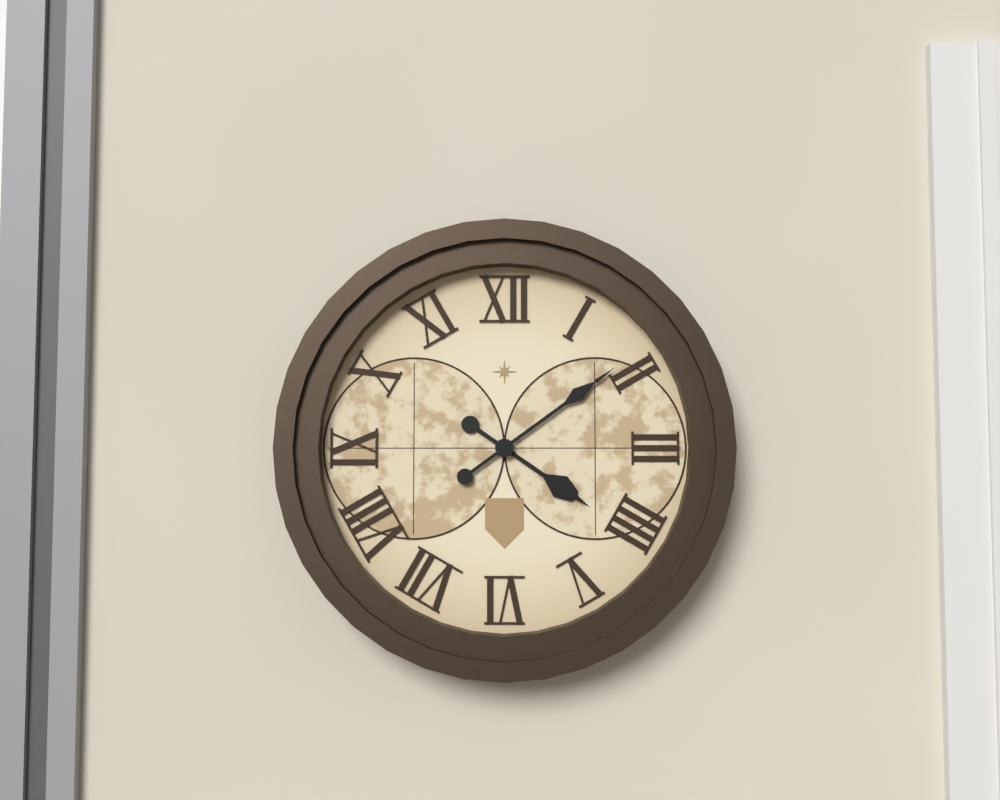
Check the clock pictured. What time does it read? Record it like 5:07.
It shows 4:09
